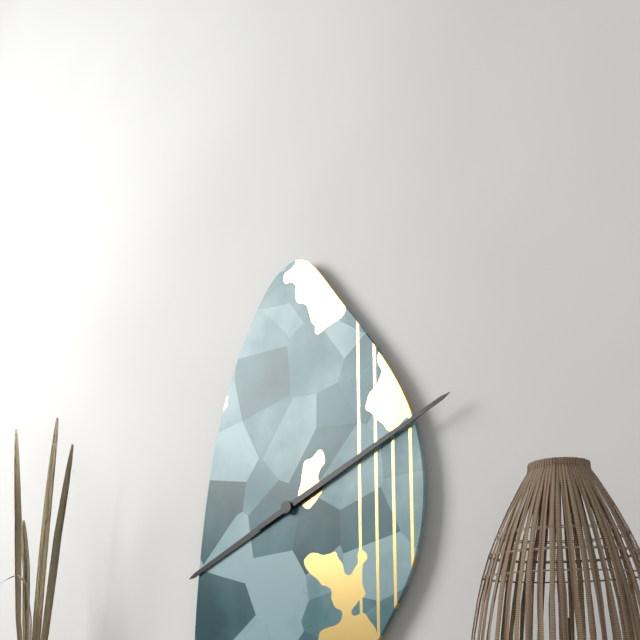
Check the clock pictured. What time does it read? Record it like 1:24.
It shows 8:11
